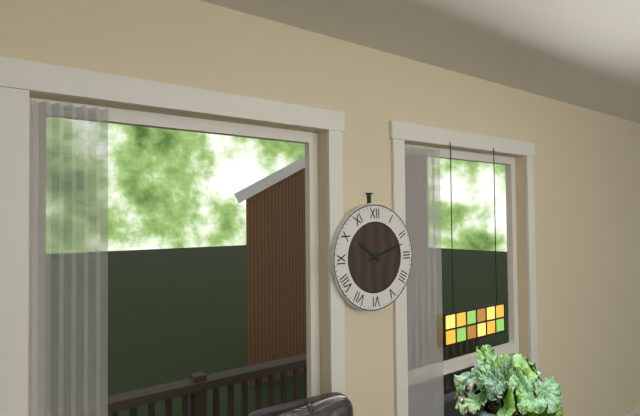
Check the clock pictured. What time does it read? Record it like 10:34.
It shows 10:12
